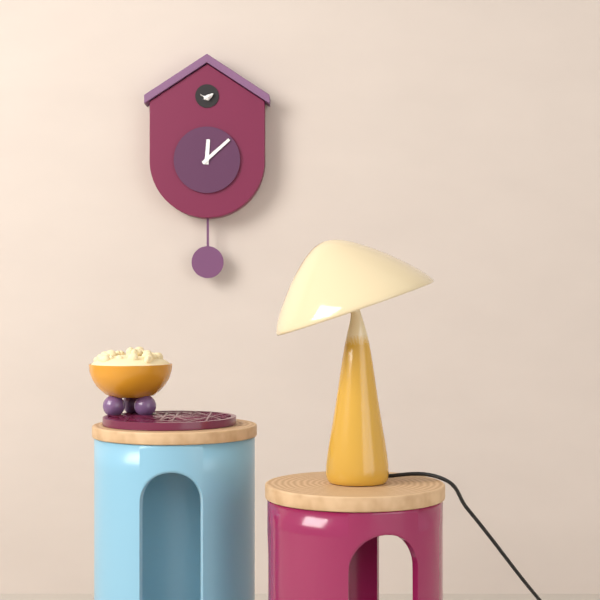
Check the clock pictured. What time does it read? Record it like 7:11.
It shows 12:08
